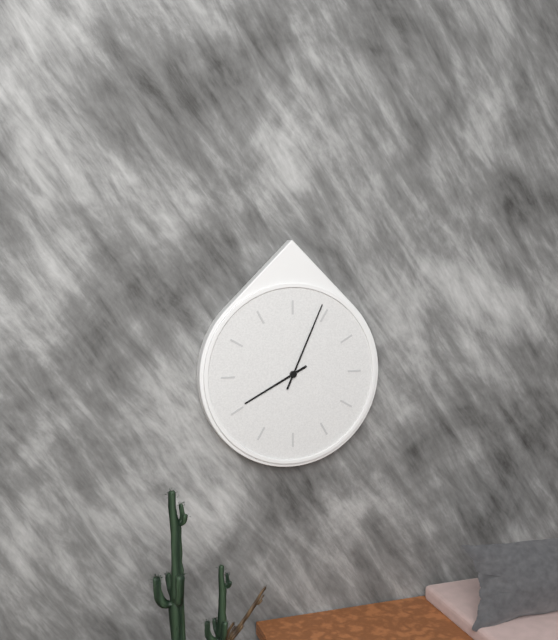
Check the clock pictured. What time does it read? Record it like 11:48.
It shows 8:04
